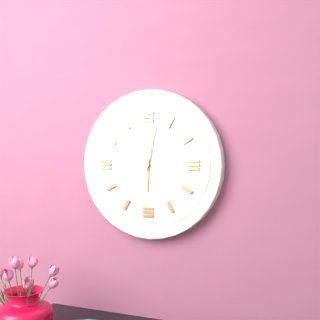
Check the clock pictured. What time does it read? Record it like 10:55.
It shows 6:02
